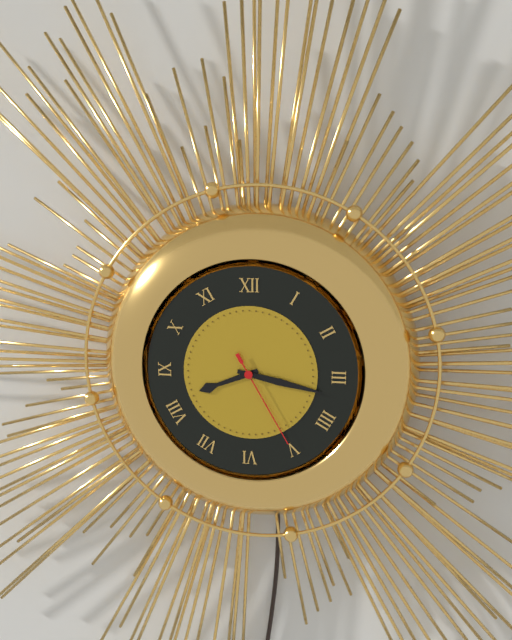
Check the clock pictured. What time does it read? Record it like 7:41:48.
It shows 8:17:25
